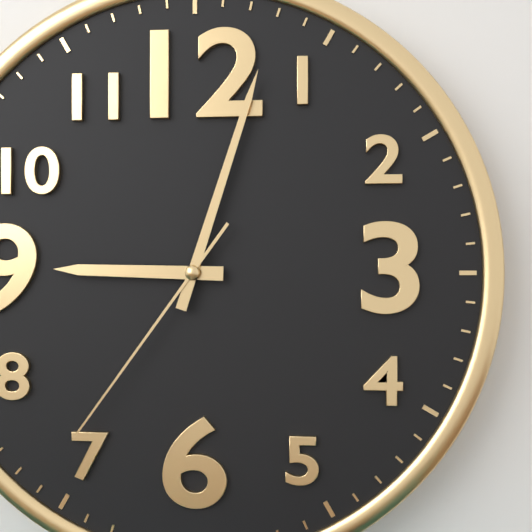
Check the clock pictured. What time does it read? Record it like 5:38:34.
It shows 9:03:36
